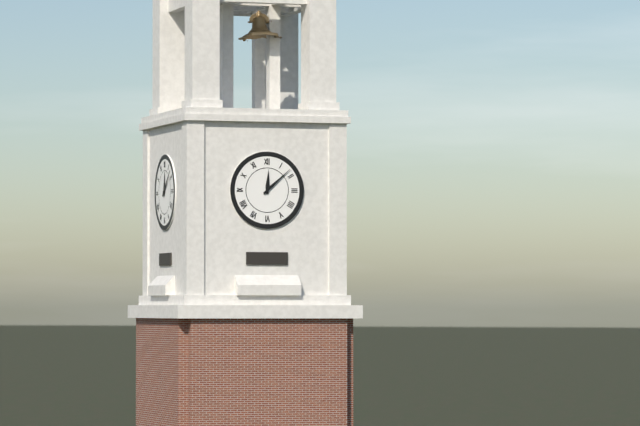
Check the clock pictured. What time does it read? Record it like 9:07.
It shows 12:08
